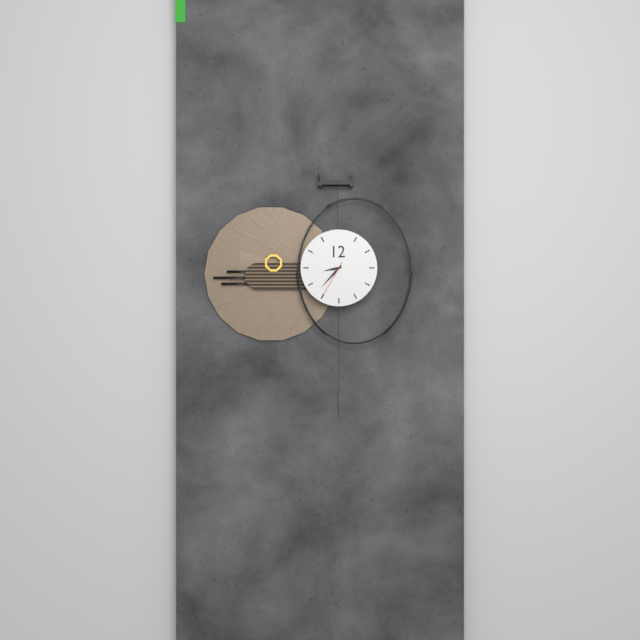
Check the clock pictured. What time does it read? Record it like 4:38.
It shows 8:37
